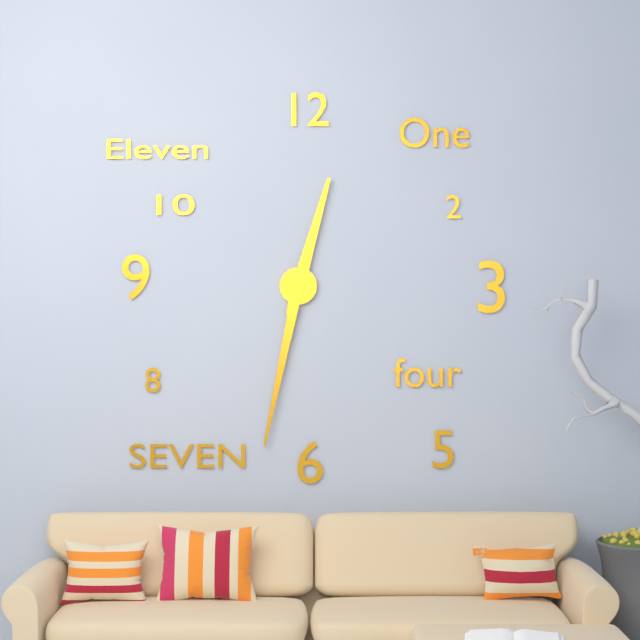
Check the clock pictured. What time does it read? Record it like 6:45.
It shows 12:32
